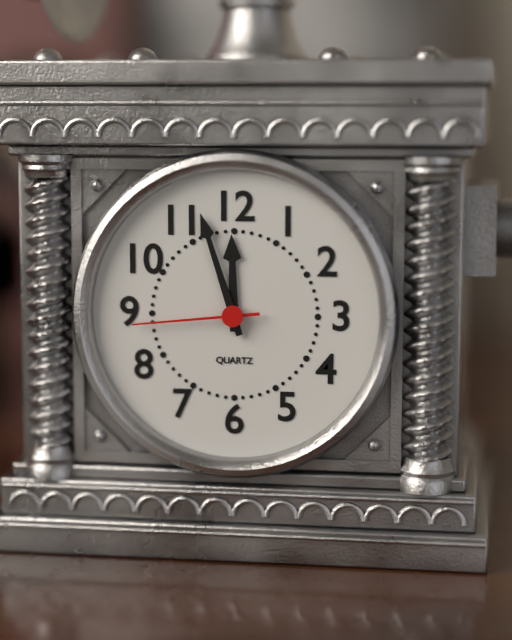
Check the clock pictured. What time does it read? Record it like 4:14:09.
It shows 11:57:44
